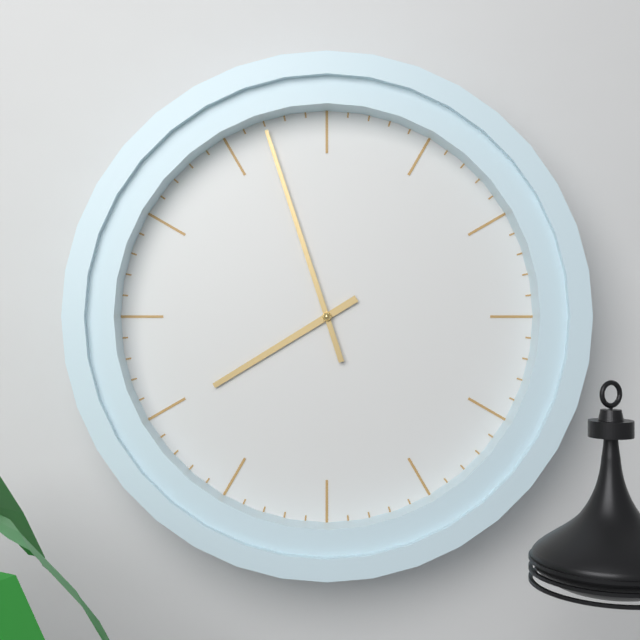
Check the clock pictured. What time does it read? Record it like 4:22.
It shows 7:57
